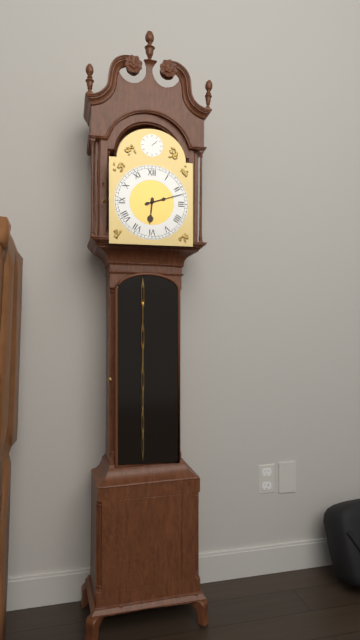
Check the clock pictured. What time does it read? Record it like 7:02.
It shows 6:12
